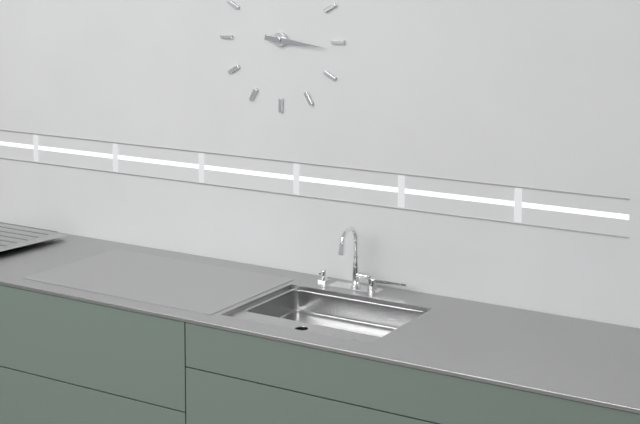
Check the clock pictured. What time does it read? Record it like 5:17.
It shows 3:16
